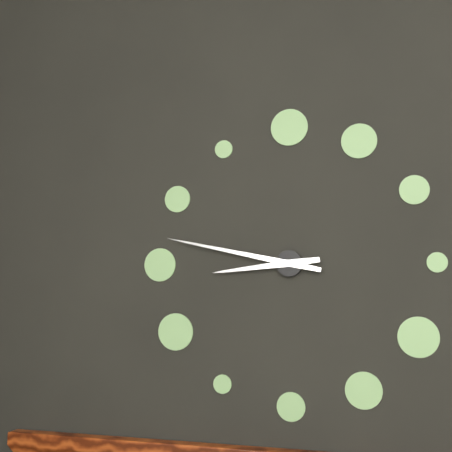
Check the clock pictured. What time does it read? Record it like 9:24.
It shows 8:47
